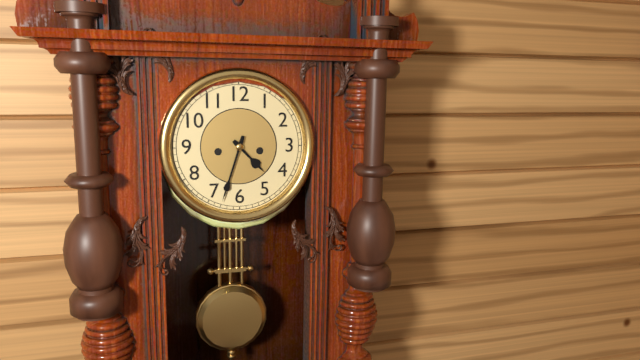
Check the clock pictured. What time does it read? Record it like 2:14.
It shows 4:33
